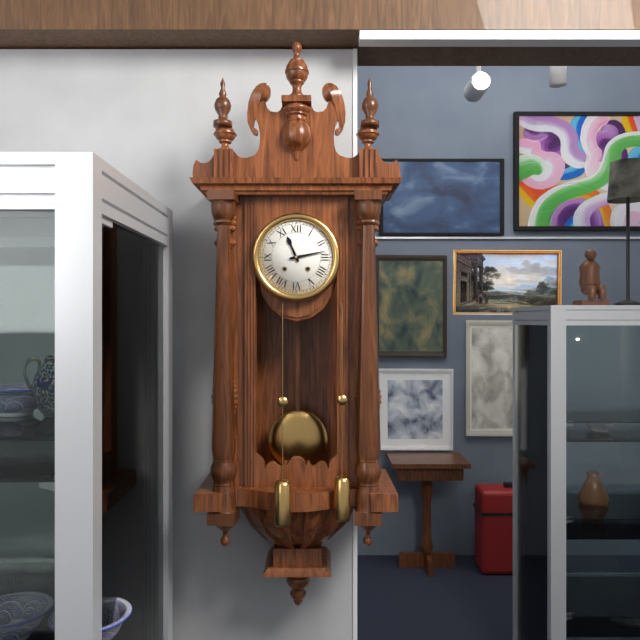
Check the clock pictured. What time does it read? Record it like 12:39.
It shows 11:13
